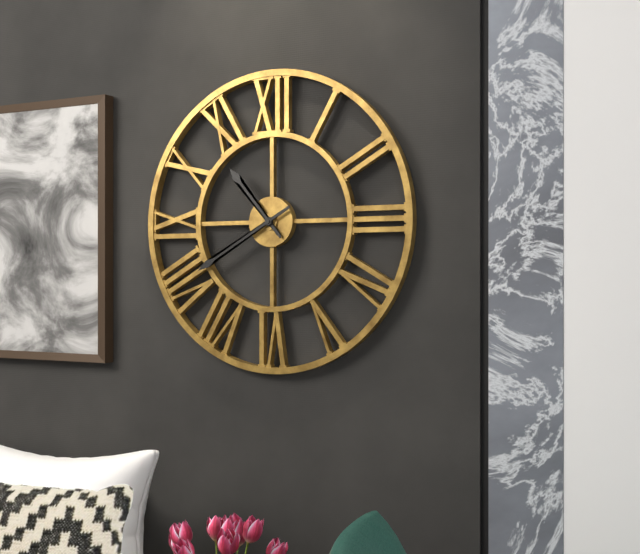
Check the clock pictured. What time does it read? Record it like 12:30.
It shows 10:40
